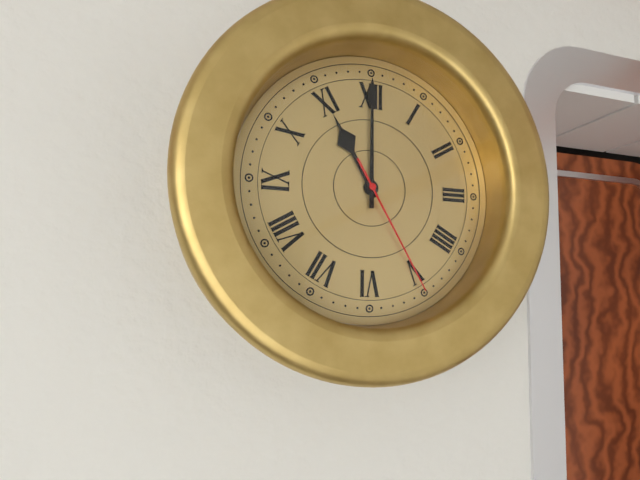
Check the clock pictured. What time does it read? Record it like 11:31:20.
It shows 11:00:25
